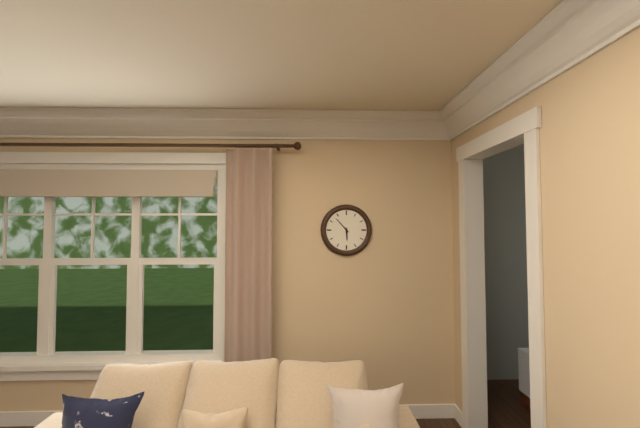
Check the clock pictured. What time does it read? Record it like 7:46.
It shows 5:53
